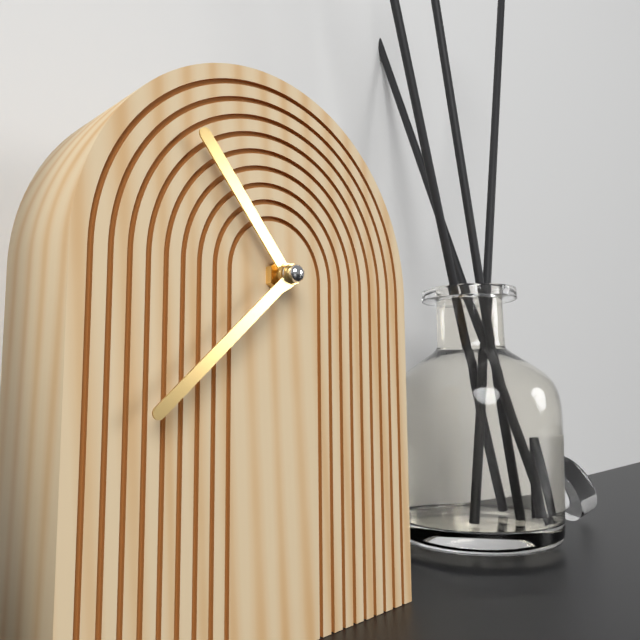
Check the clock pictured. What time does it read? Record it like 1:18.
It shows 10:38
